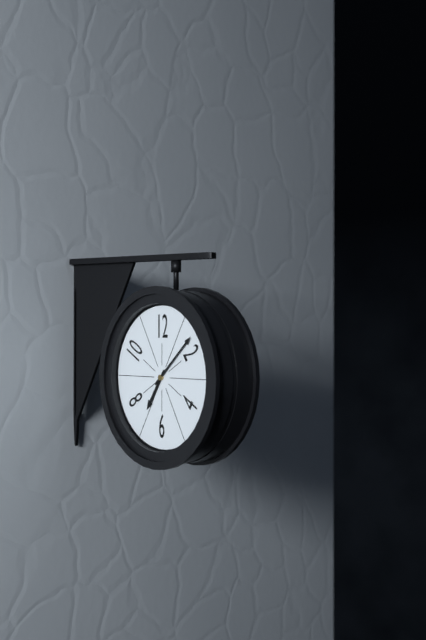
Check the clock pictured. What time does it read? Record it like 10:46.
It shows 7:08
